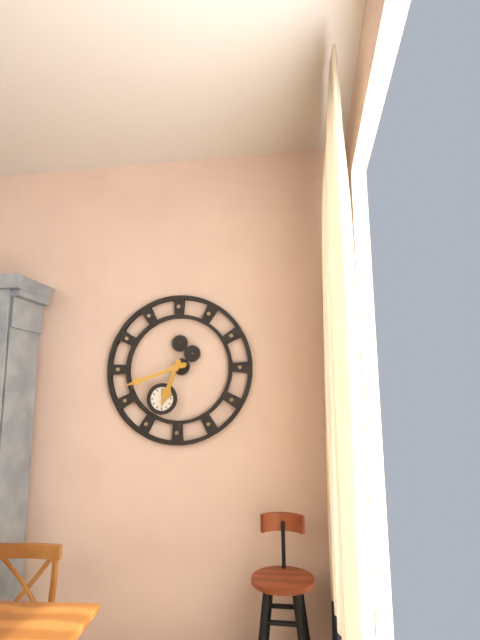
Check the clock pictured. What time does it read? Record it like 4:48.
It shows 6:42
